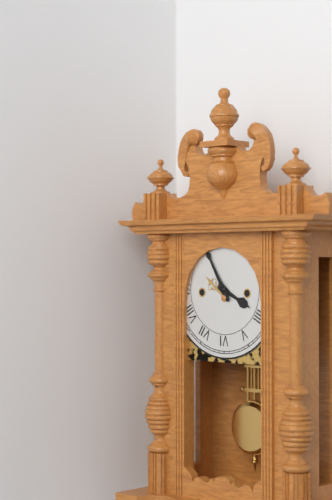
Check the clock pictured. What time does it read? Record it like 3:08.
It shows 3:55
